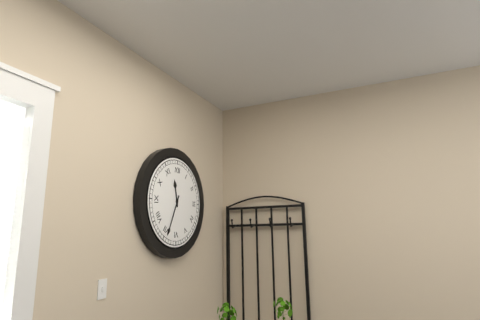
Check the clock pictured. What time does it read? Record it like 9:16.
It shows 11:34
